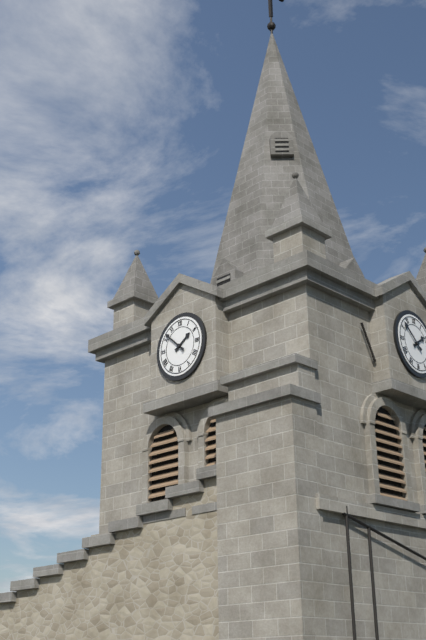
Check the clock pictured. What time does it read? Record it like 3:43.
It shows 1:52
